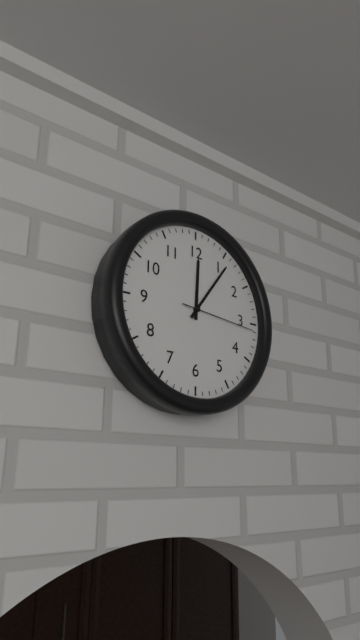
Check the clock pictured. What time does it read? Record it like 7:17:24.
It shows 12:06:16
